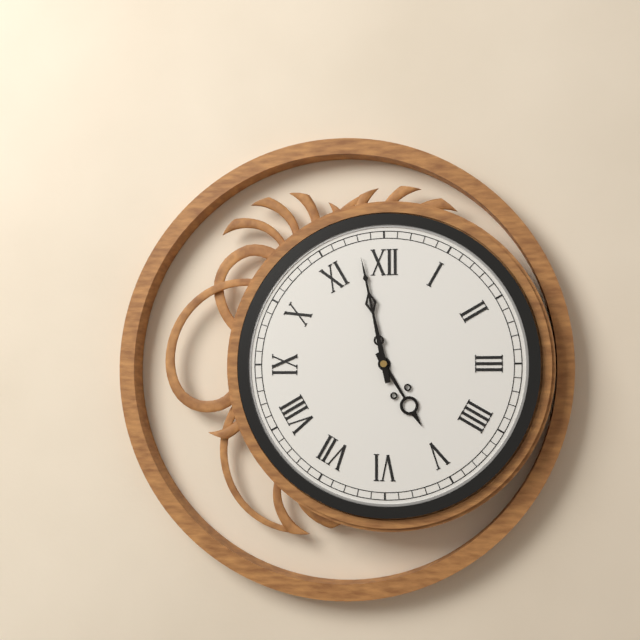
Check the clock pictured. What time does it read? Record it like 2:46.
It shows 4:58
